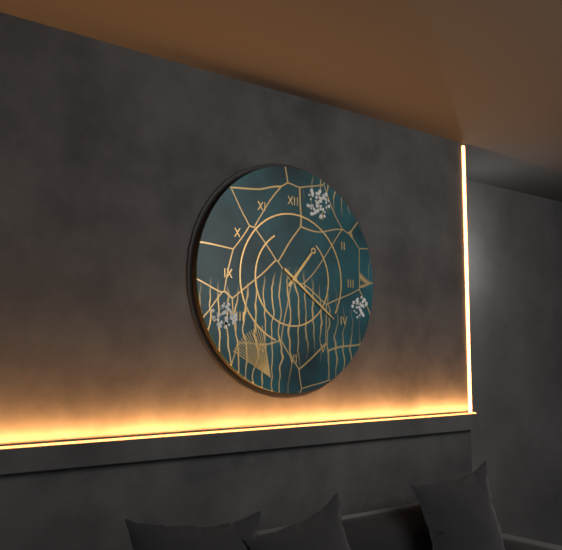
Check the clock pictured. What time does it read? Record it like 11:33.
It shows 1:21
